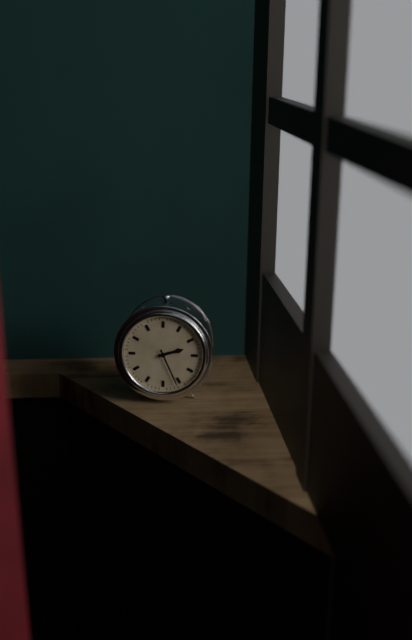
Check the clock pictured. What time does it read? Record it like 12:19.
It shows 2:26
